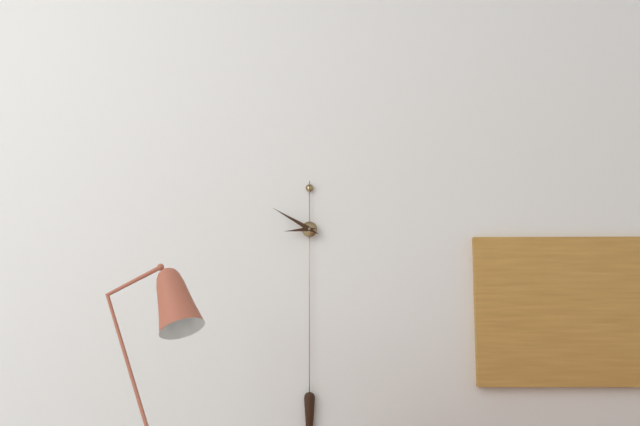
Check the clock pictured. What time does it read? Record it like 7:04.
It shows 8:50
